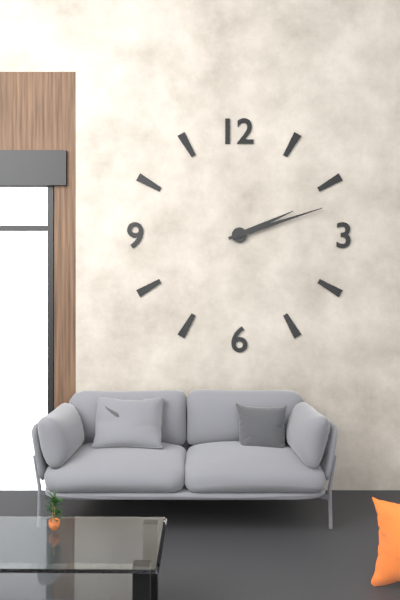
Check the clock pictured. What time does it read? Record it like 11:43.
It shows 2:12
